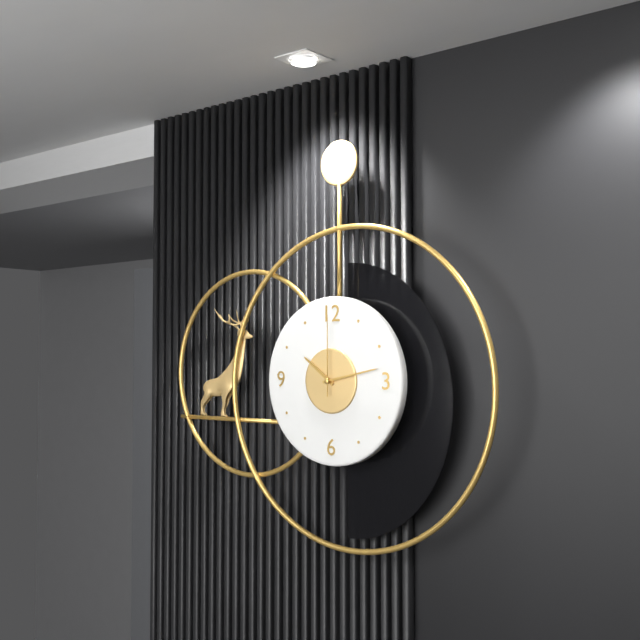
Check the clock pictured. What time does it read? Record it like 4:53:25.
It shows 10:13:00
